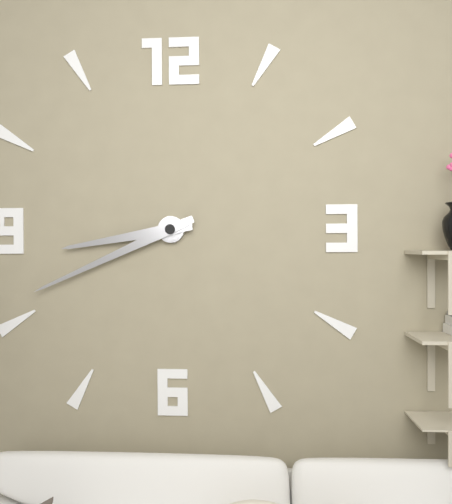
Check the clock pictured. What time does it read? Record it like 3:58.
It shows 8:41
